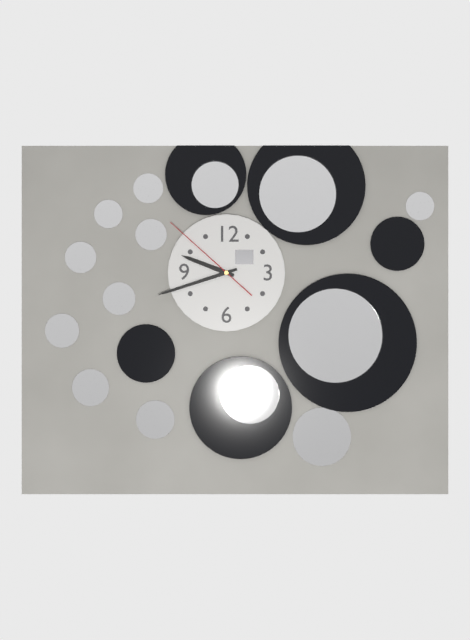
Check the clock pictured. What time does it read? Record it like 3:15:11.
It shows 9:42:52
